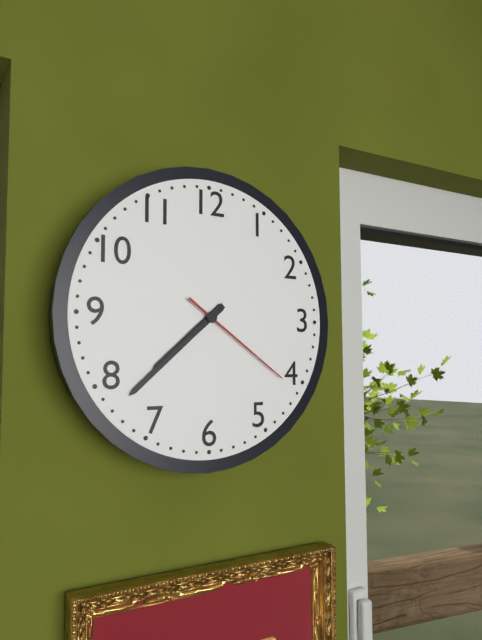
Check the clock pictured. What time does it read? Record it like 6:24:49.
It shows 7:38:21
